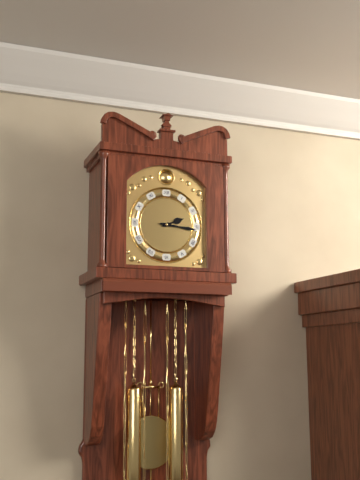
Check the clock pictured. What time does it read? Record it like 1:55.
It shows 2:16
